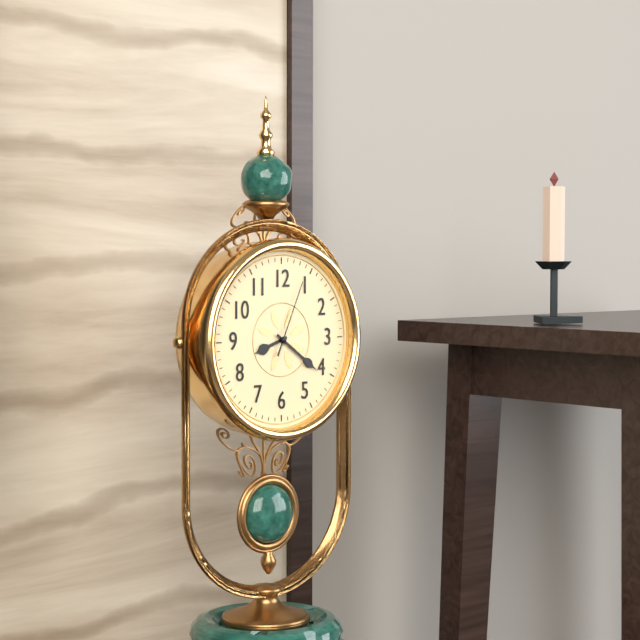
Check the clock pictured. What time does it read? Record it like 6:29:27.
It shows 8:21:04
